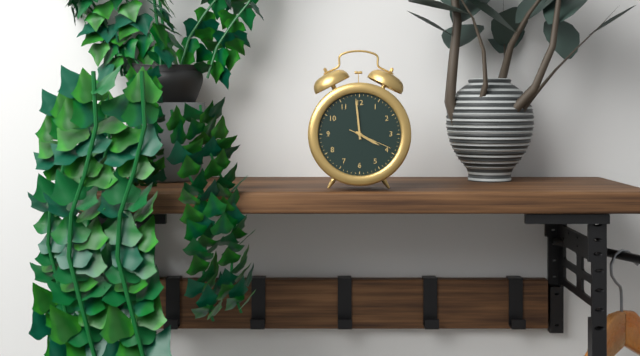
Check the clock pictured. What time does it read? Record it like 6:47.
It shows 3:59
